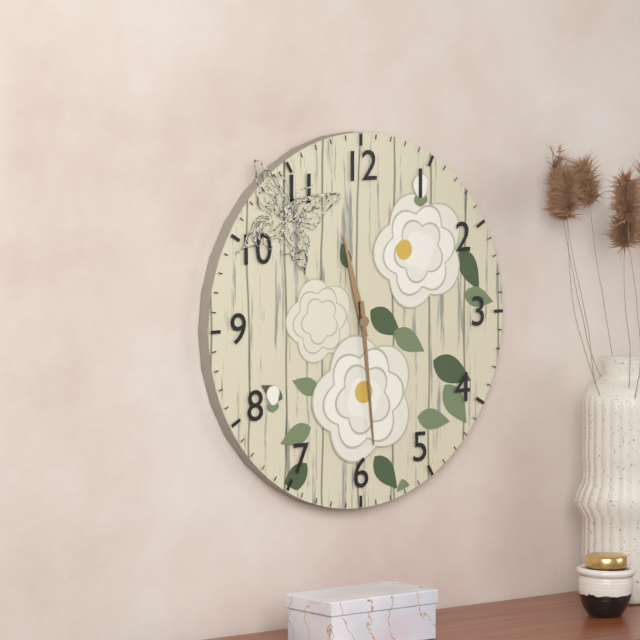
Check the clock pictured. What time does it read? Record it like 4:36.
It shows 11:29
